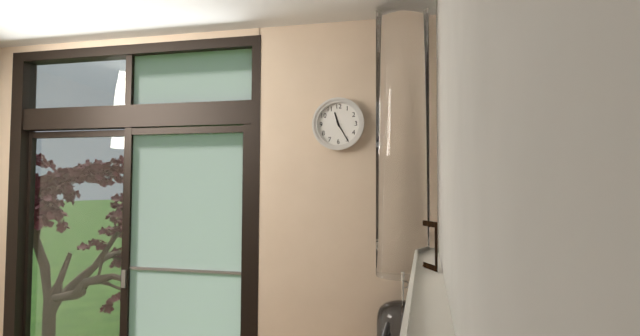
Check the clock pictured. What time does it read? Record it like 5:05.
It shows 11:25
